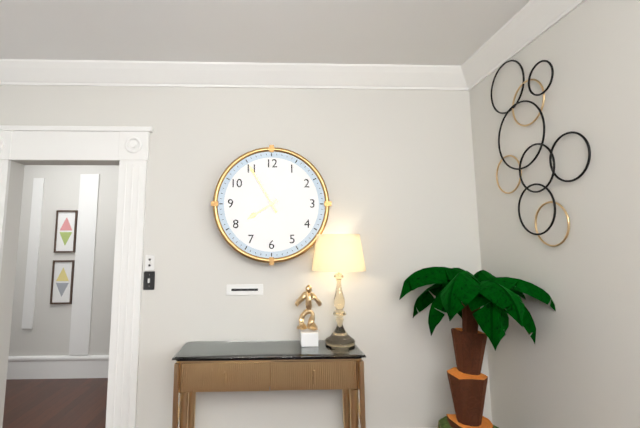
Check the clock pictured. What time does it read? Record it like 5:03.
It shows 7:55
